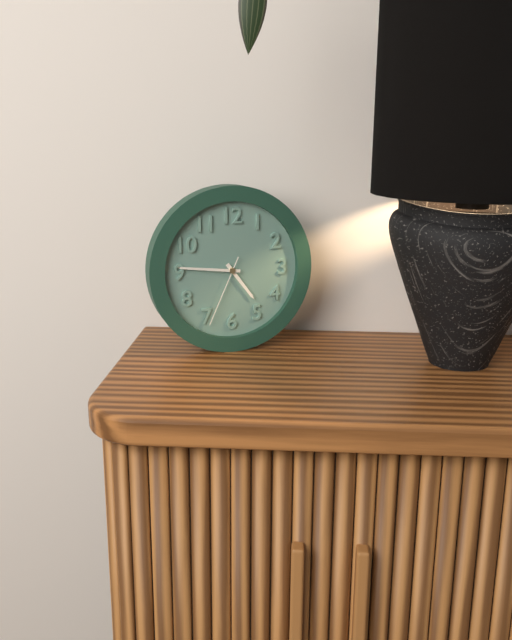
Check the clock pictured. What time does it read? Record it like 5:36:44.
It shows 4:46:34
